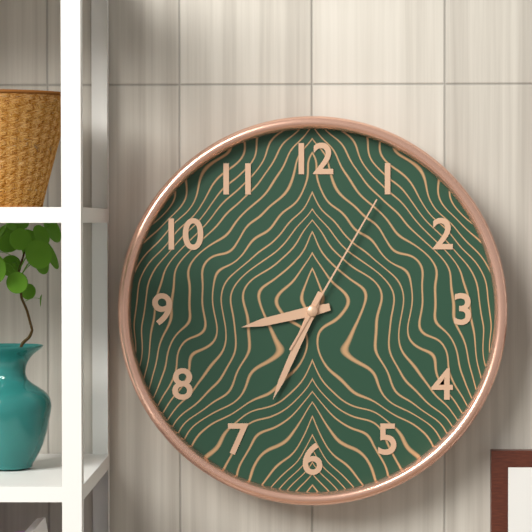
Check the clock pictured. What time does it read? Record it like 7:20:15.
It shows 8:34:05
